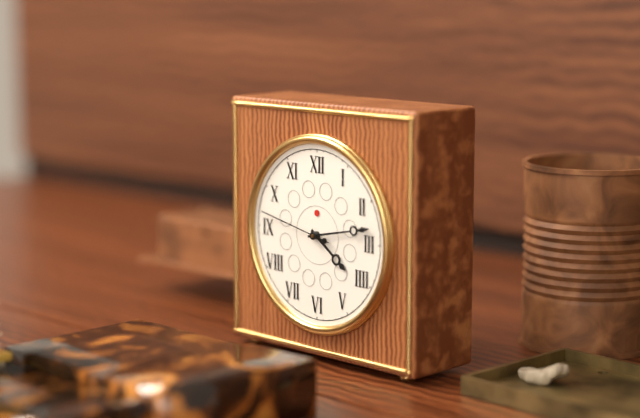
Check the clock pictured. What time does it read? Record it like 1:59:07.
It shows 4:13:47
